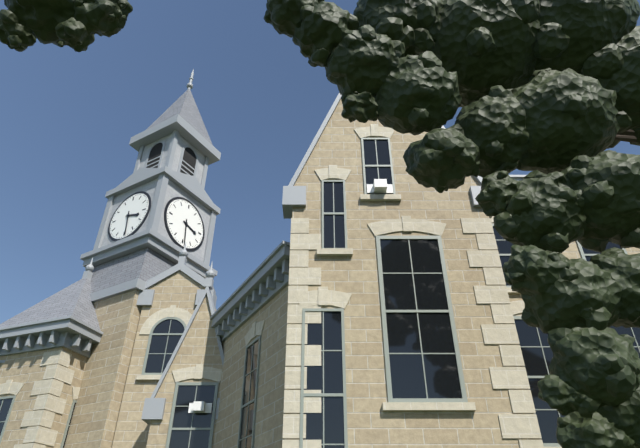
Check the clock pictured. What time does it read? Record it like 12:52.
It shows 3:29
